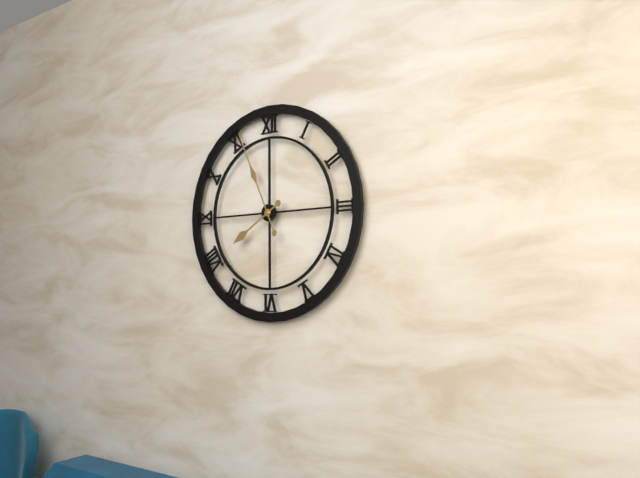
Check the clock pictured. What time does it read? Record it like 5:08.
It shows 7:56
